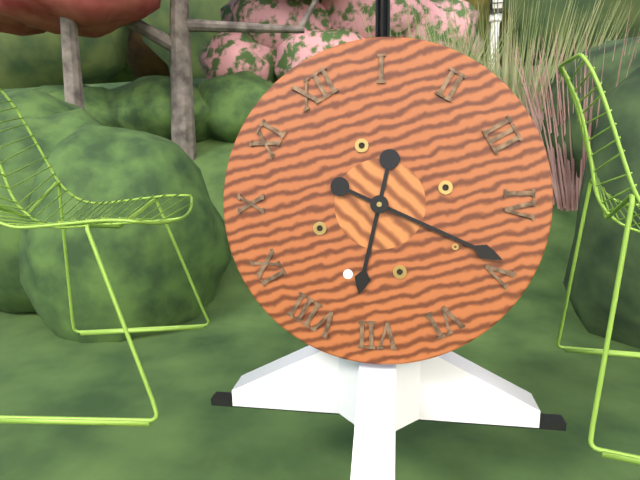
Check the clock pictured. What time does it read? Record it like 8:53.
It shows 7:24
